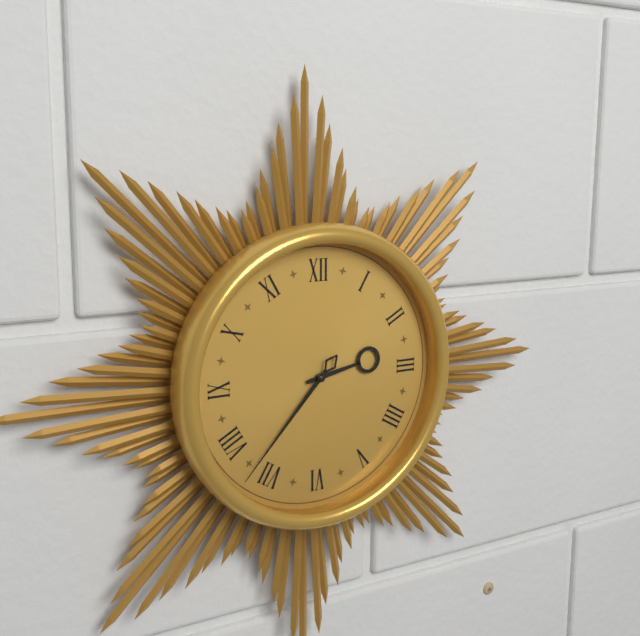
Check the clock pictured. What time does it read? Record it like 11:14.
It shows 2:37
